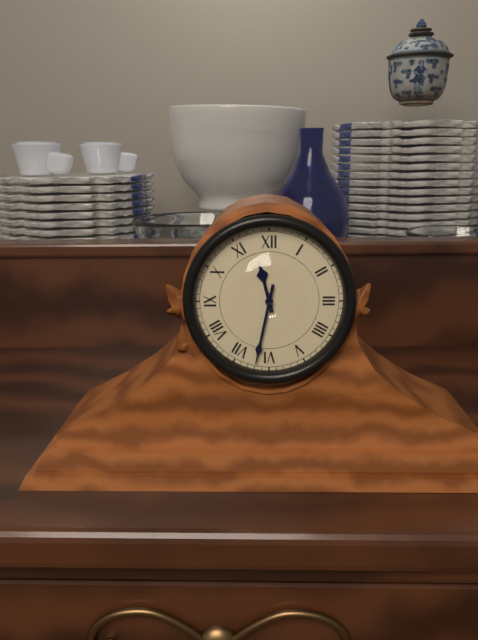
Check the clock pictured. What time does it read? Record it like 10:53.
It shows 11:32
